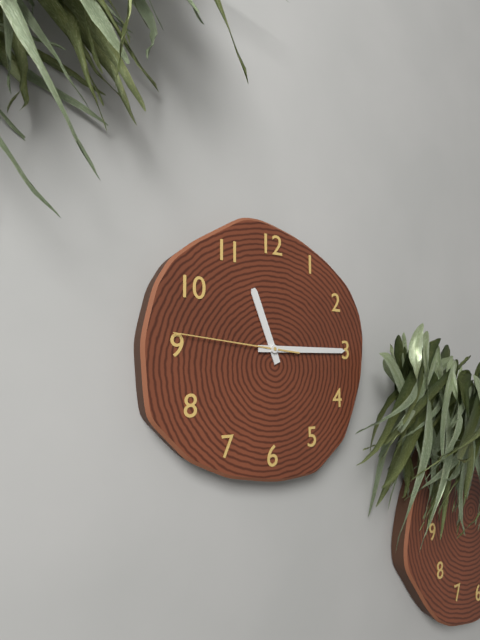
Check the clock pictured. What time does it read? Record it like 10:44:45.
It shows 11:15:46
